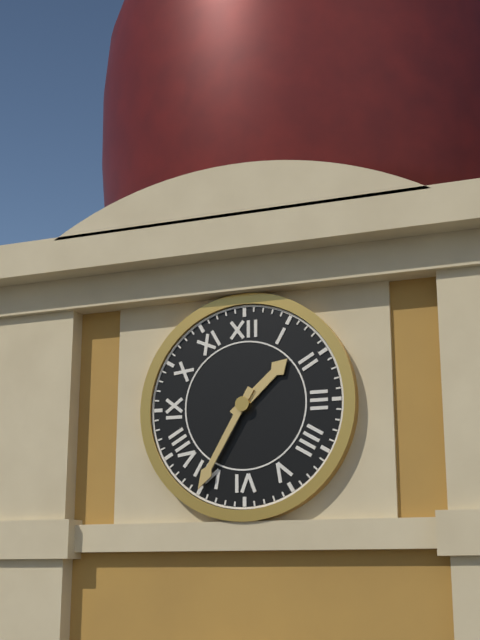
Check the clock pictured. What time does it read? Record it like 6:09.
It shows 1:35
